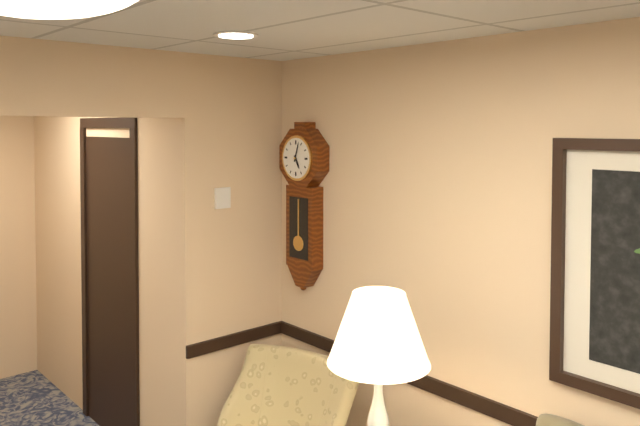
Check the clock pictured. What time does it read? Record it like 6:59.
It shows 5:03
